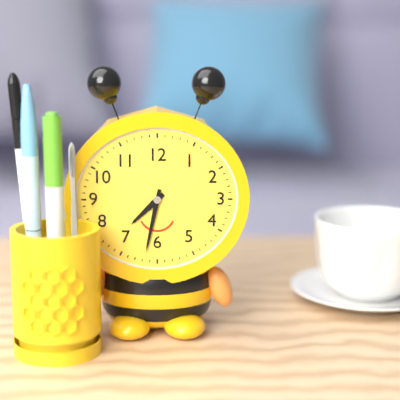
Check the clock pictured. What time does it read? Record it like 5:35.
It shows 7:32
